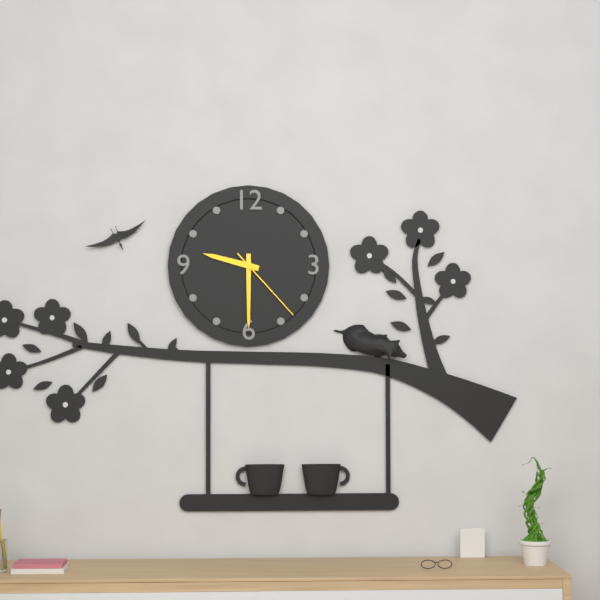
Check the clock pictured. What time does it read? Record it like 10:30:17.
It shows 9:30:23
